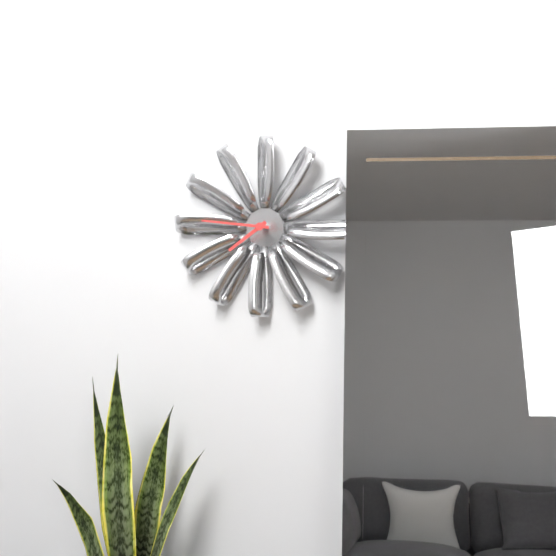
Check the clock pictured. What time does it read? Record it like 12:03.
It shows 7:46
